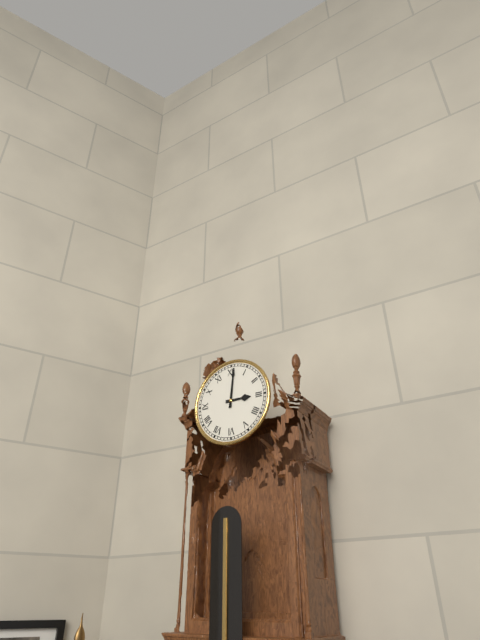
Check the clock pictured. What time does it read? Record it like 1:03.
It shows 3:01
